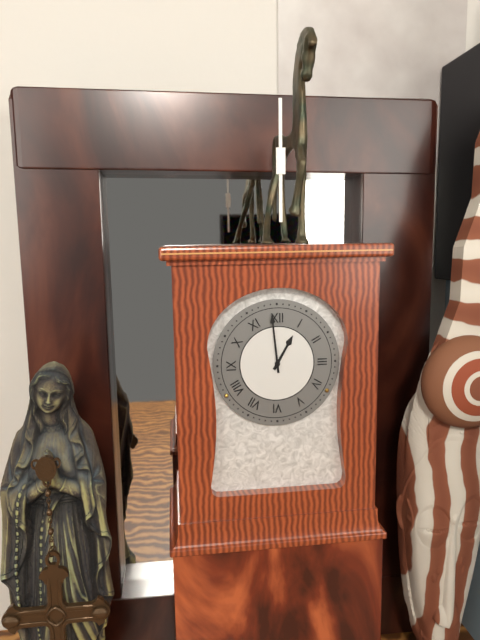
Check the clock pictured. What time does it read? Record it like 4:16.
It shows 12:59
